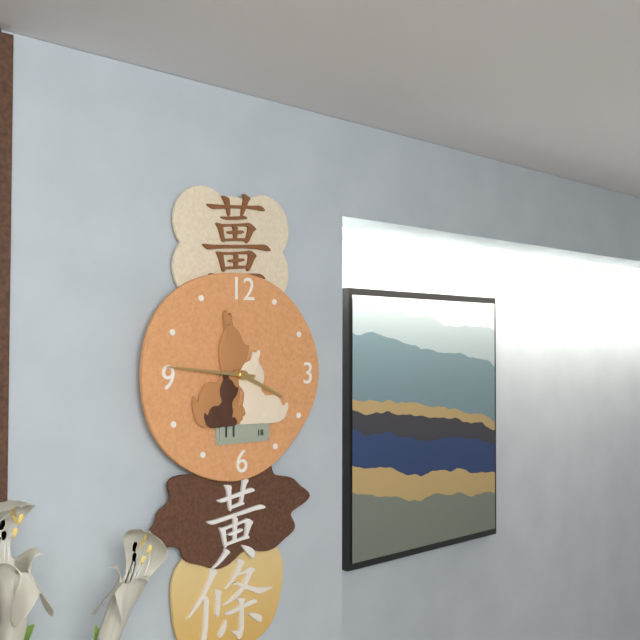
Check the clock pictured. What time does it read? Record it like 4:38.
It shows 3:46
